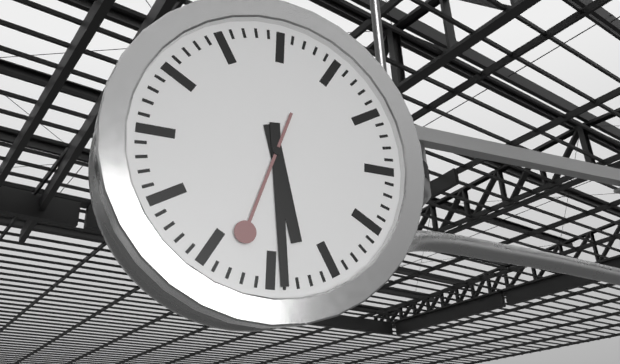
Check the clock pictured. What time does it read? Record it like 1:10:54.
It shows 5:29:33
